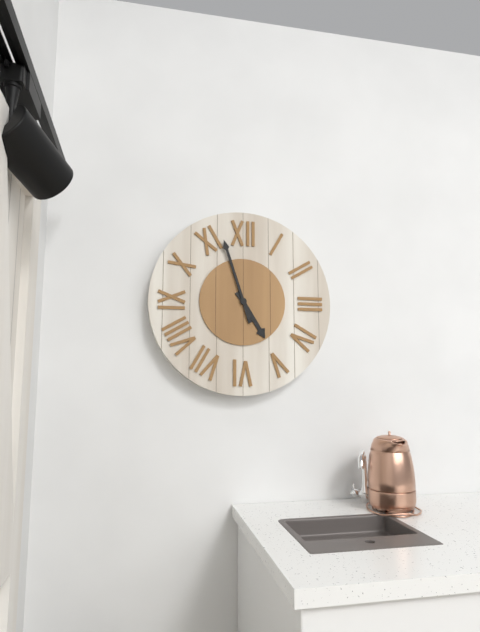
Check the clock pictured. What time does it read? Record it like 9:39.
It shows 4:57
